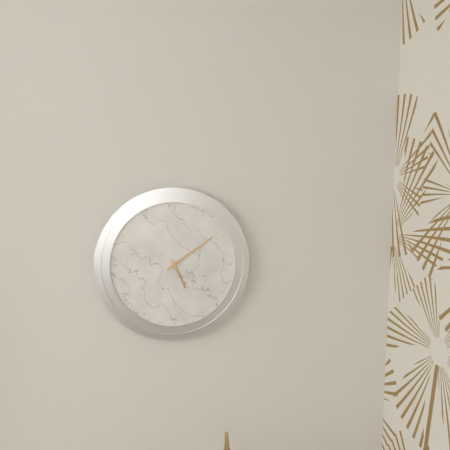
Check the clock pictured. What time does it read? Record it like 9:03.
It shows 5:09
